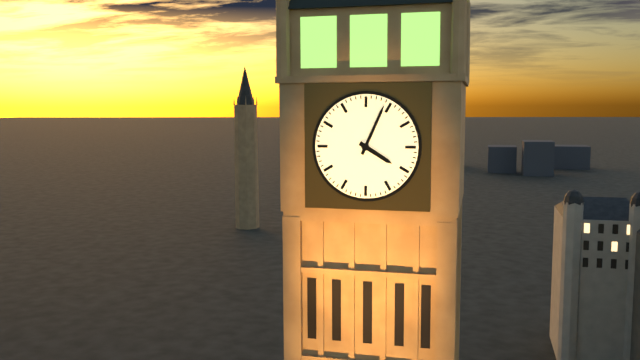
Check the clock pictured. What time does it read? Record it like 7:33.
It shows 4:04
